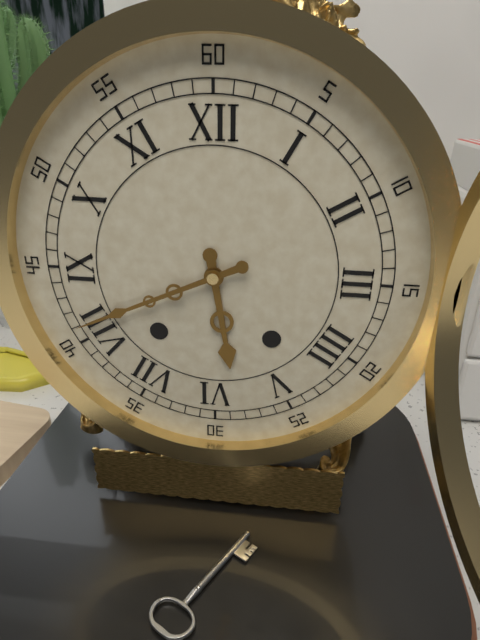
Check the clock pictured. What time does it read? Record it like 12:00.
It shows 5:41
